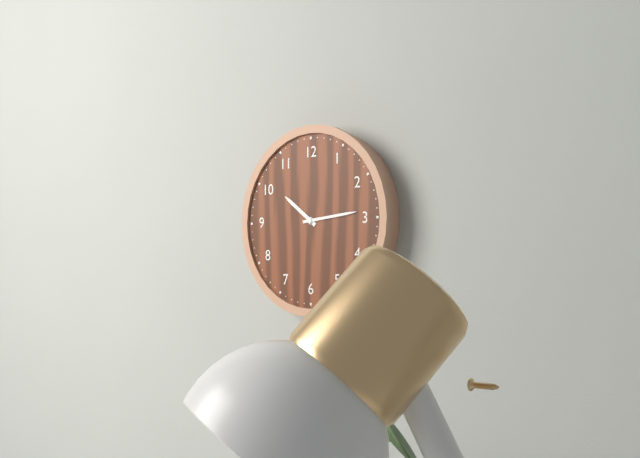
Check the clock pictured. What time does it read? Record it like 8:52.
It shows 10:14
